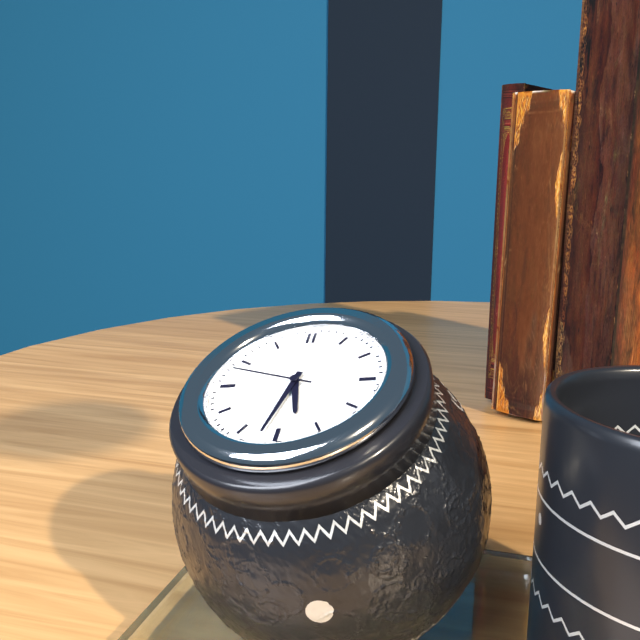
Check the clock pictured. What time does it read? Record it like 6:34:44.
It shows 5:32:48
